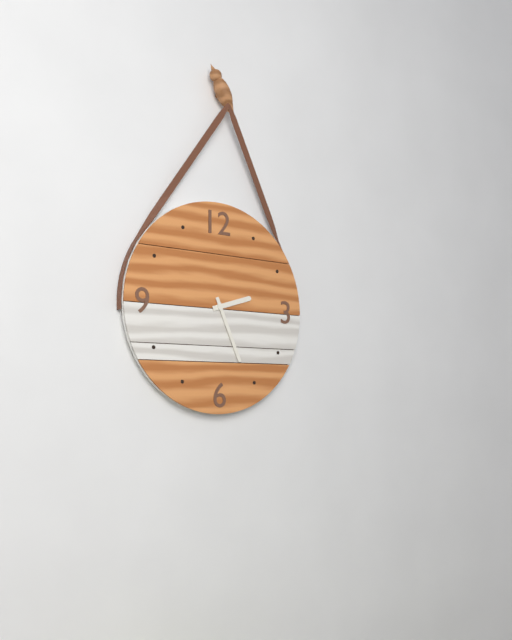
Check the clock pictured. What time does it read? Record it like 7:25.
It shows 2:26
